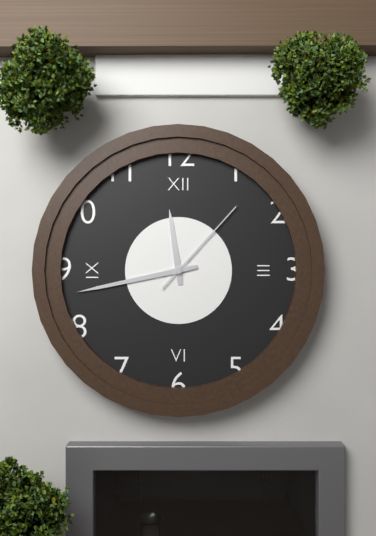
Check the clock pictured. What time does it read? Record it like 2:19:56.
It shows 11:43:07
